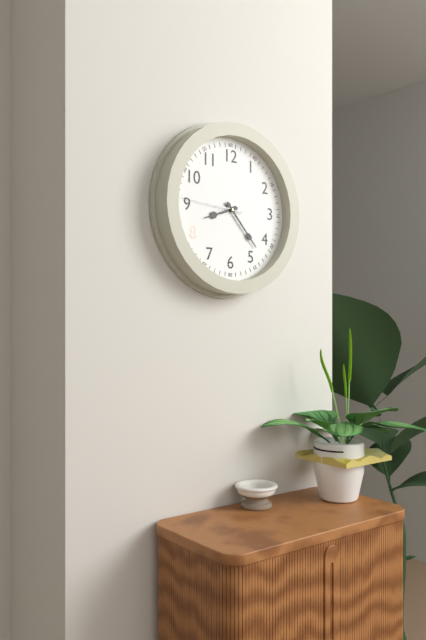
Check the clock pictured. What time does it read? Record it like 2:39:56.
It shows 8:23:46
